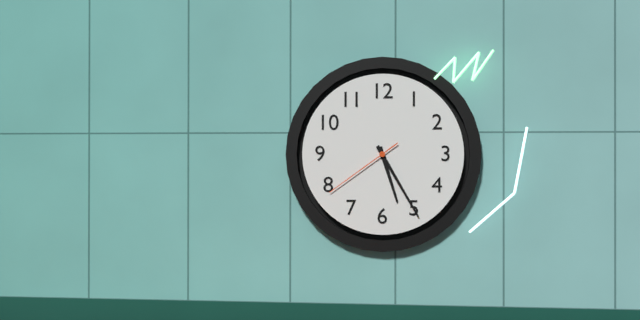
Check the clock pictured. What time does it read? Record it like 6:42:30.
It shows 5:25:39
